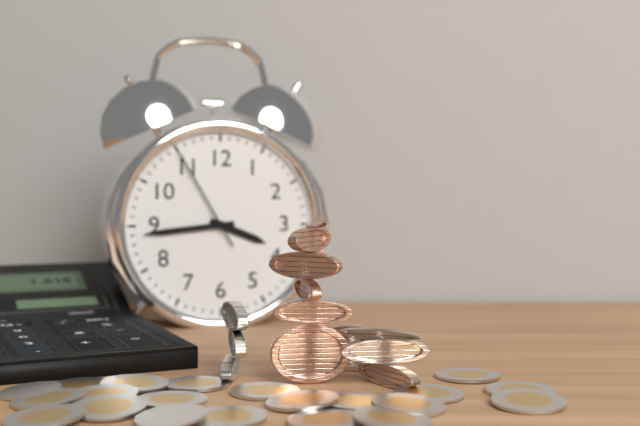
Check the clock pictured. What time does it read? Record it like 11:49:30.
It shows 3:44:55
